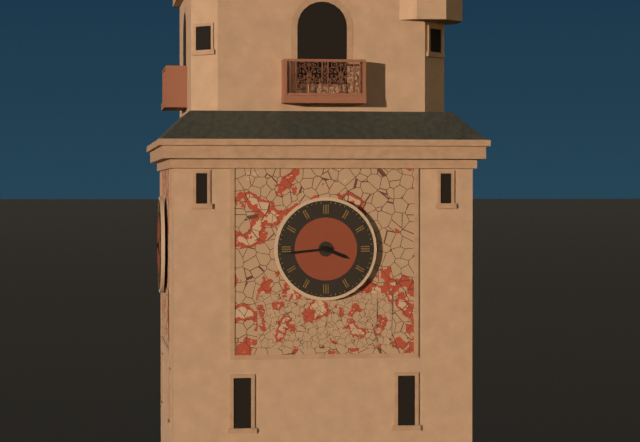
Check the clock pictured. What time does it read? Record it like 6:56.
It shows 3:44
